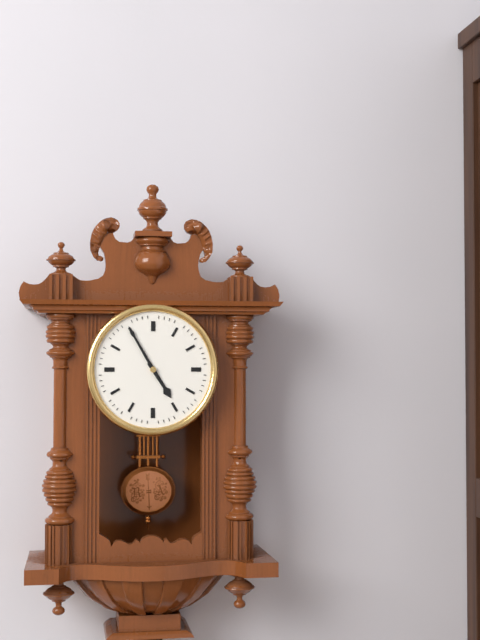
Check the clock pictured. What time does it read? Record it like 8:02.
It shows 4:55
